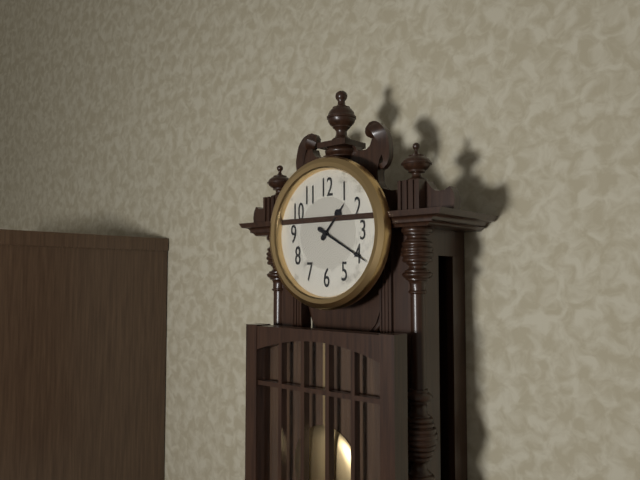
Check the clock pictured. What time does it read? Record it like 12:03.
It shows 1:20
